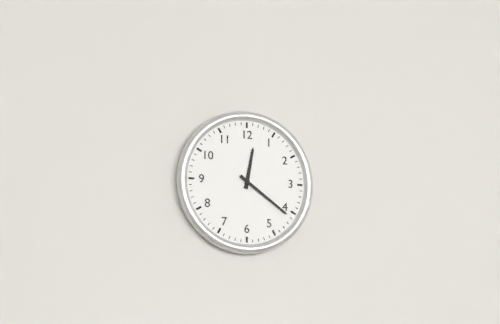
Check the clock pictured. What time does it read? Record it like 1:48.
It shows 12:21
